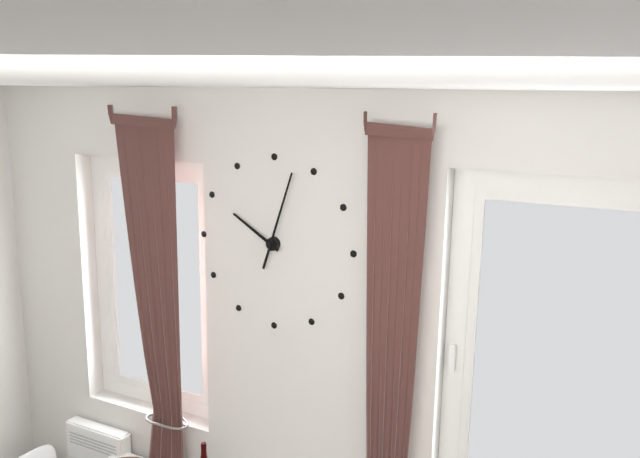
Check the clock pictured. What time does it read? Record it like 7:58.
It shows 10:03
